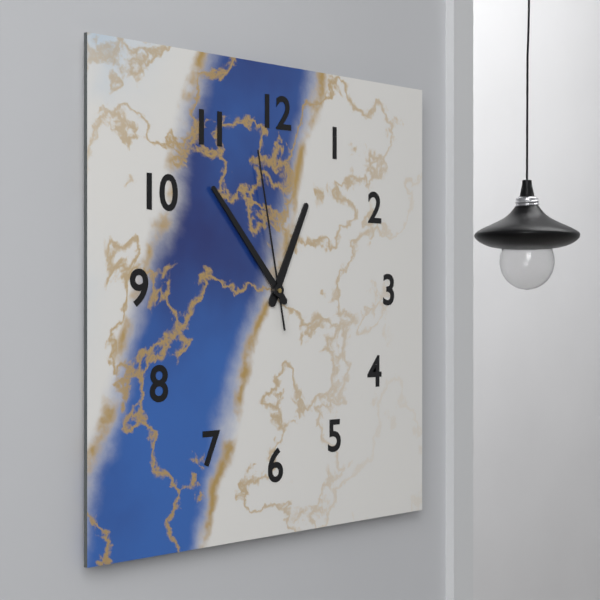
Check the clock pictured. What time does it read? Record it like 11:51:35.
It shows 12:53:58
